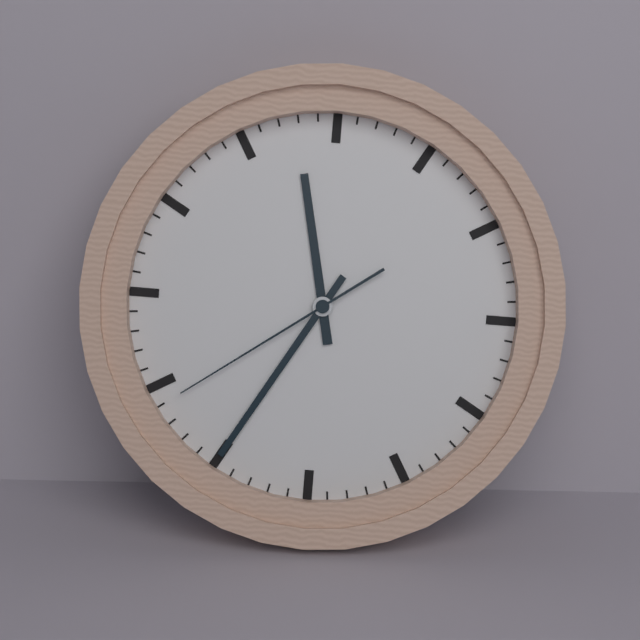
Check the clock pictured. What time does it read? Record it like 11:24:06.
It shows 11:35:39
